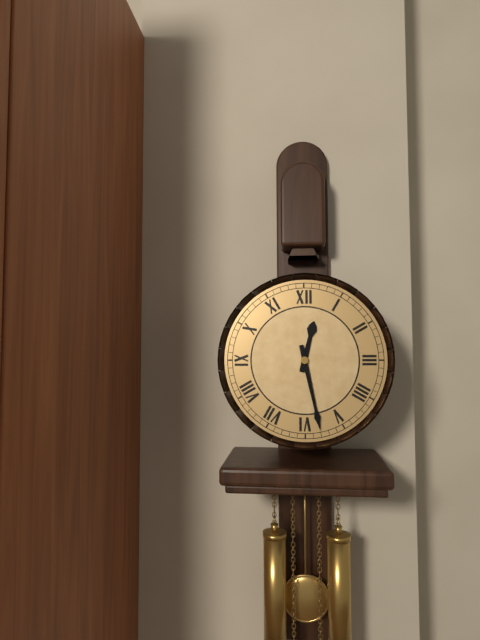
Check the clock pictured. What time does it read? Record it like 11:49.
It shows 12:28
